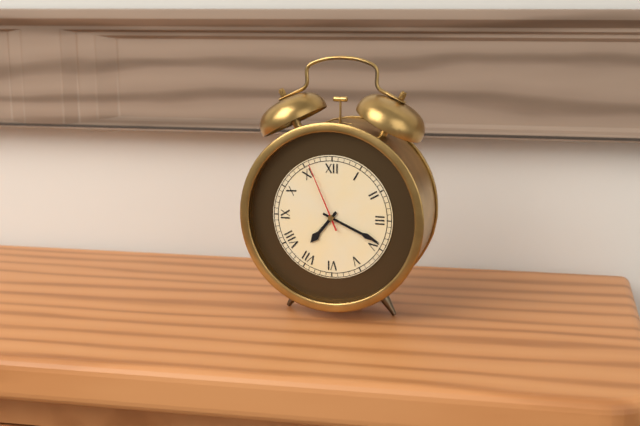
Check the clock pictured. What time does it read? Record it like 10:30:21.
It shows 7:19:56
